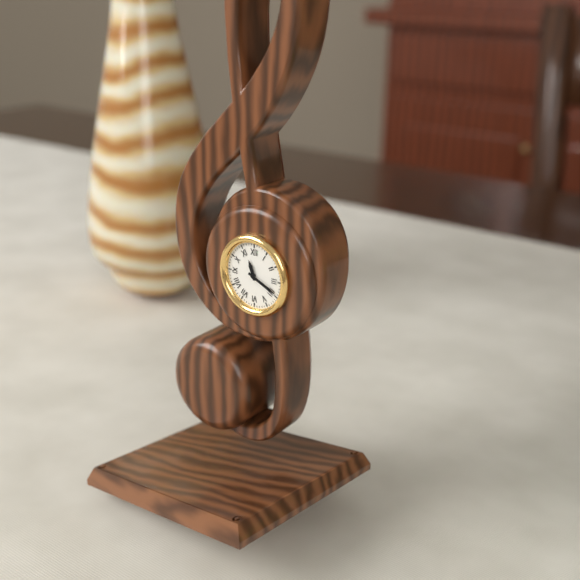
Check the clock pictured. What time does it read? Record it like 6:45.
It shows 11:19
